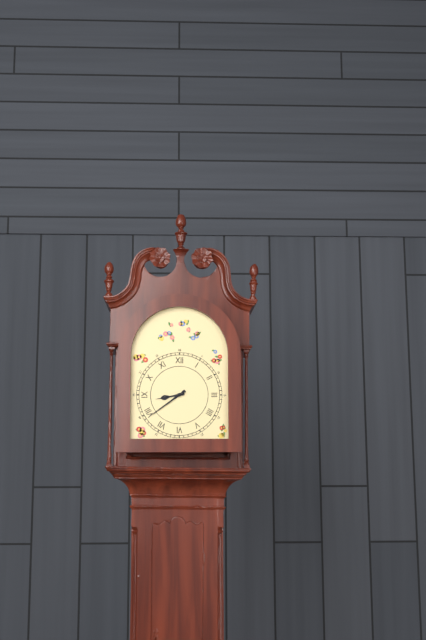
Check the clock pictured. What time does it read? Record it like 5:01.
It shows 8:39
